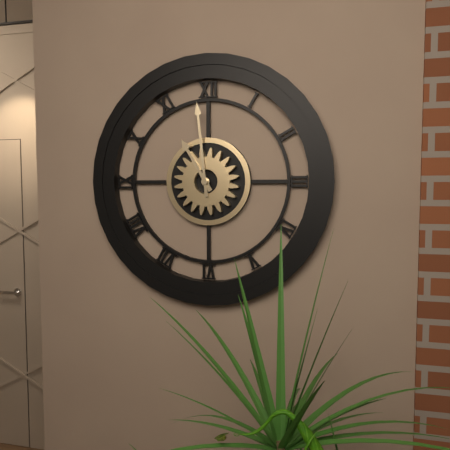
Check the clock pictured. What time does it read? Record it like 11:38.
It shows 10:59
